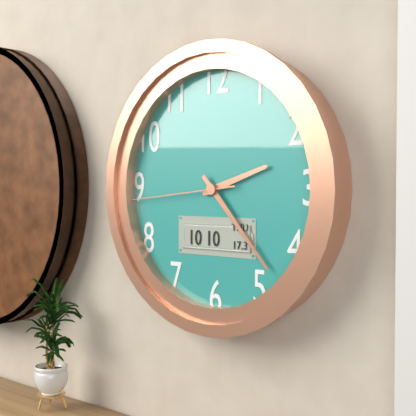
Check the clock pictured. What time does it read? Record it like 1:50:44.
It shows 2:23:44
